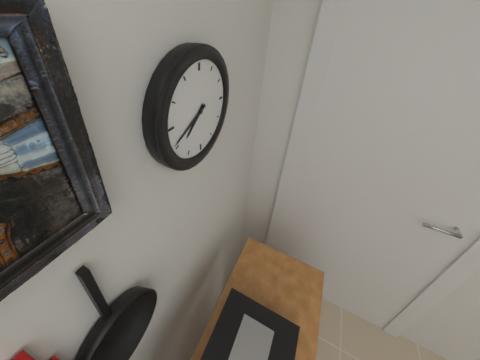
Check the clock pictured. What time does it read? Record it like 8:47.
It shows 7:41
